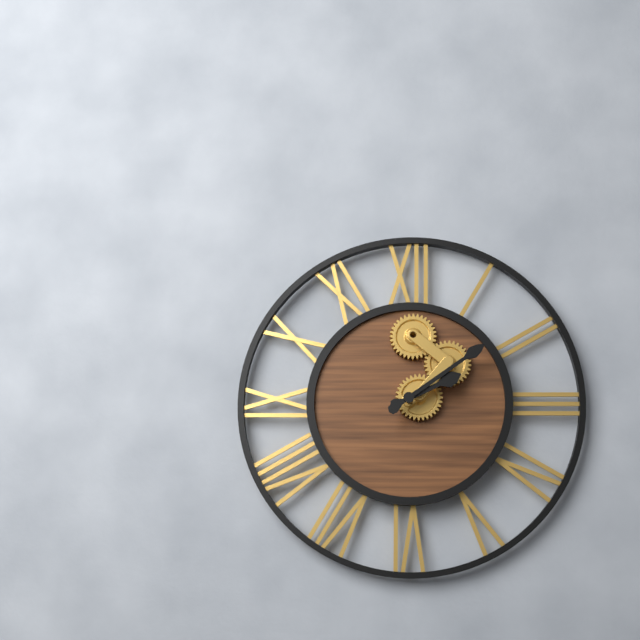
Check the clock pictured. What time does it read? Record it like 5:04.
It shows 2:09
